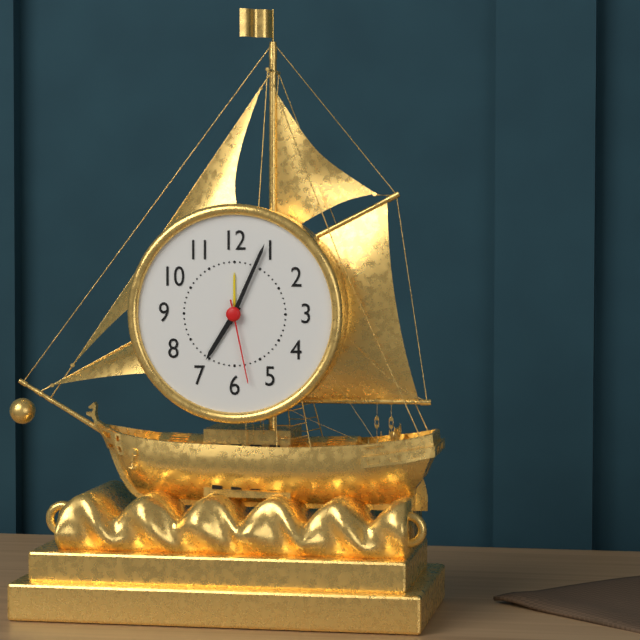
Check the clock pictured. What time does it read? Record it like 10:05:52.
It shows 7:04:28
